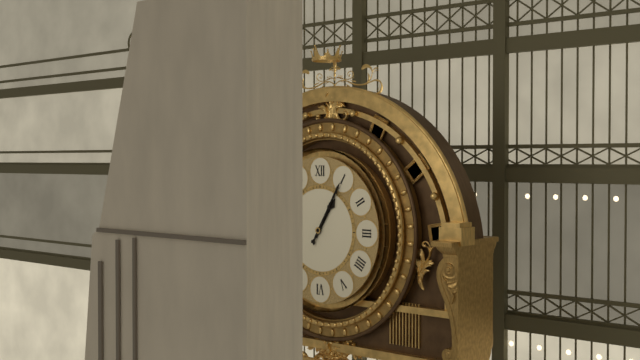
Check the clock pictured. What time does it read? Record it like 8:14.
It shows 1:05
